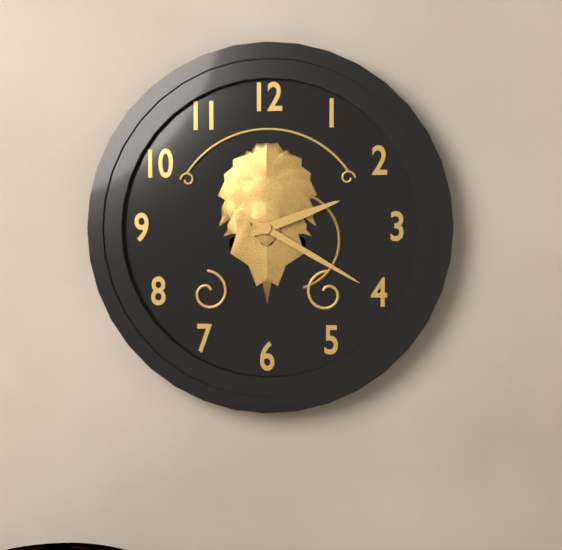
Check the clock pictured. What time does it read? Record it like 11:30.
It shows 2:20
